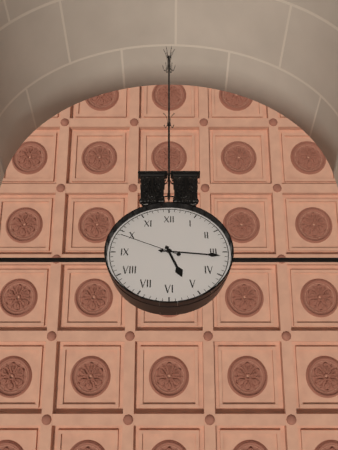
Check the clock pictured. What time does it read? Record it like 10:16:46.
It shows 5:16:49
